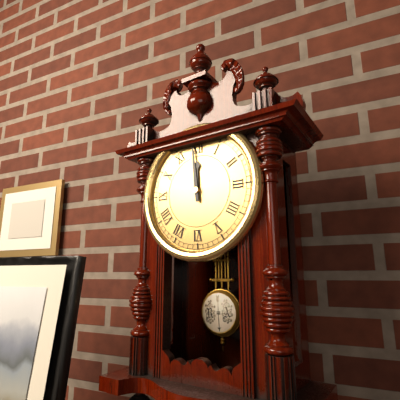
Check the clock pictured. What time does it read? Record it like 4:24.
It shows 11:59
